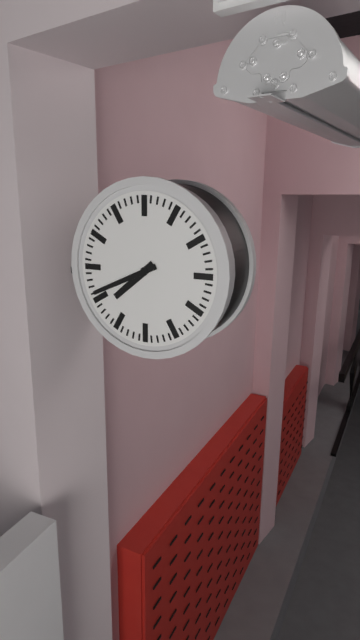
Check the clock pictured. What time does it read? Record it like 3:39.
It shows 7:41
